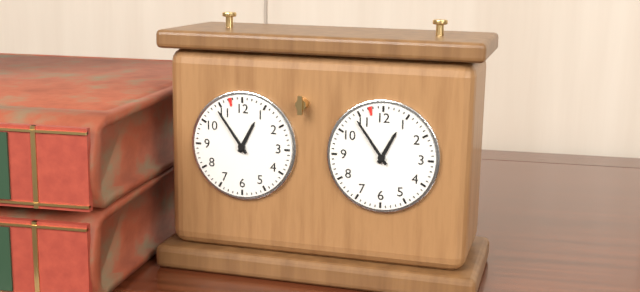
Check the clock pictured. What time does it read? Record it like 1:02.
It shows 12:54
